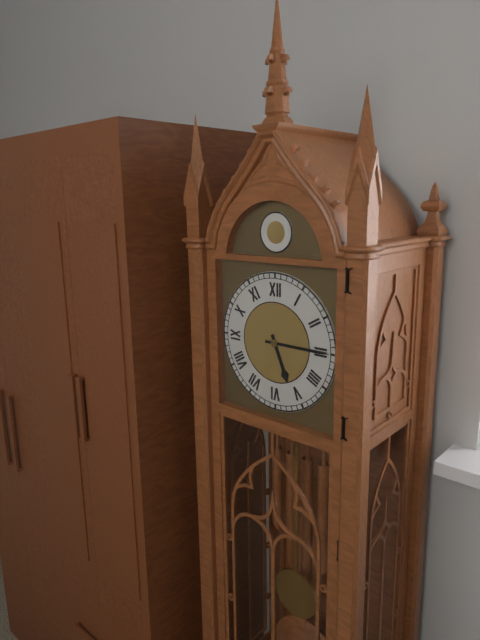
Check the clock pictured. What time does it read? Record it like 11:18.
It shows 5:15
